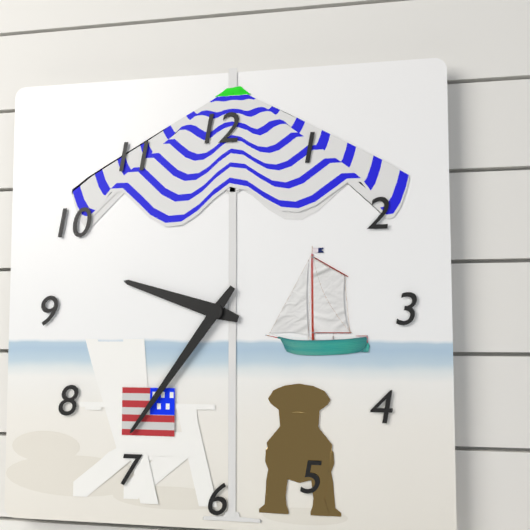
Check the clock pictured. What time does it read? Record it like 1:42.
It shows 9:36
